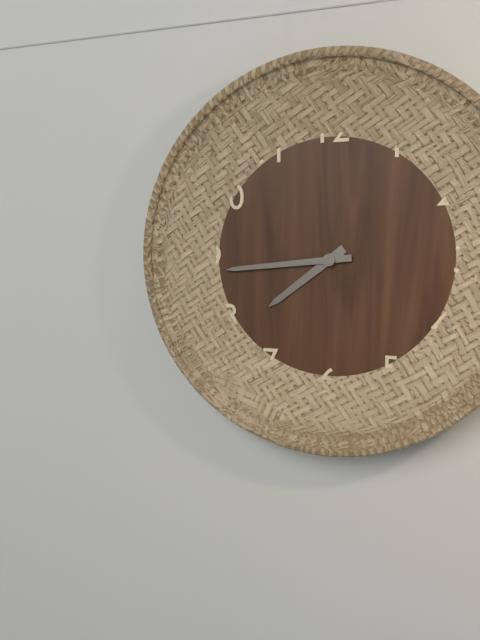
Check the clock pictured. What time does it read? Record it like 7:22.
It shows 7:44
